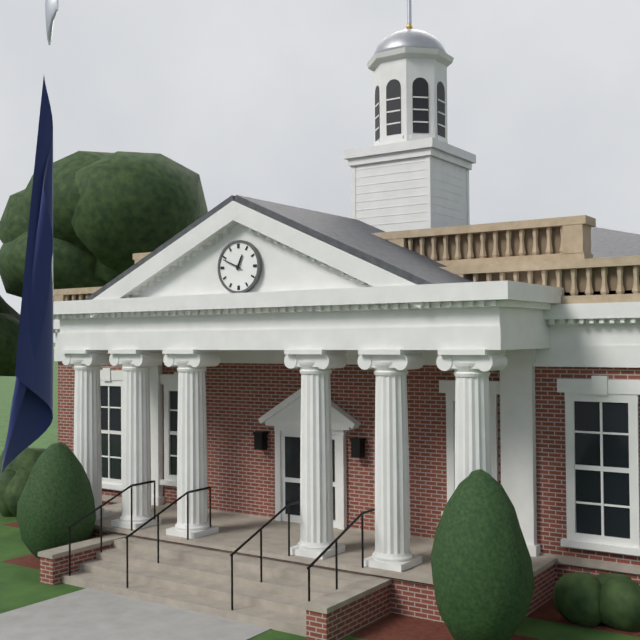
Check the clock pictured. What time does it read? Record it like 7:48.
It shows 12:49
